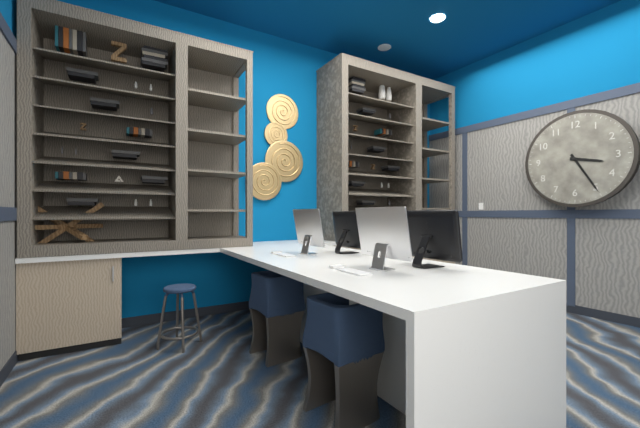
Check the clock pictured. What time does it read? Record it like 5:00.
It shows 3:25
